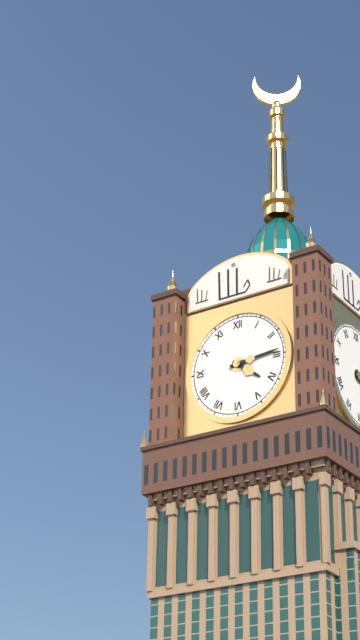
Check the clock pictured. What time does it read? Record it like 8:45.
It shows 4:14
